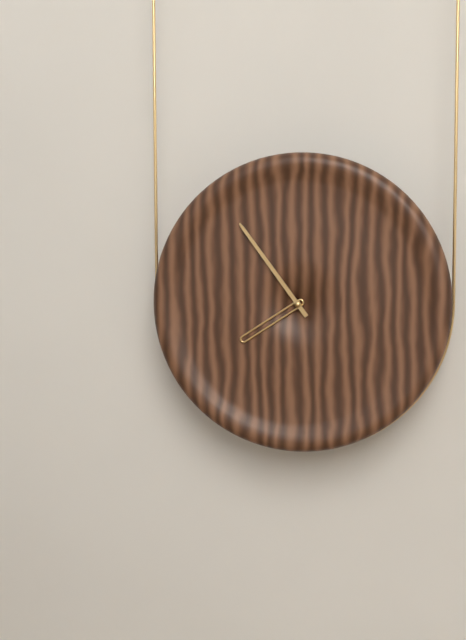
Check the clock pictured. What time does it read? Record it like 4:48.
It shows 7:54
